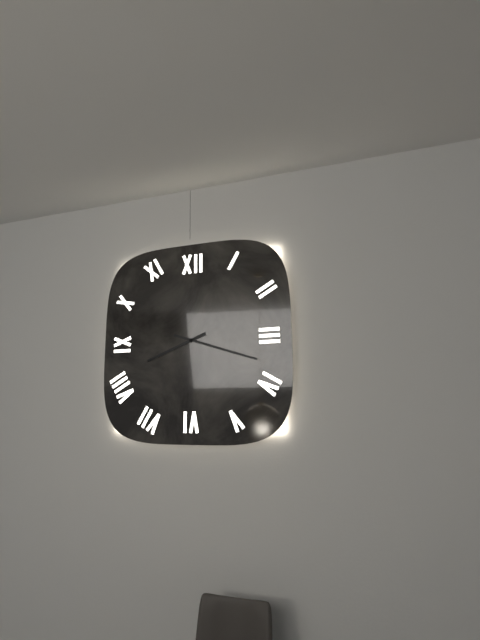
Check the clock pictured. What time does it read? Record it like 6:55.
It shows 8:18
